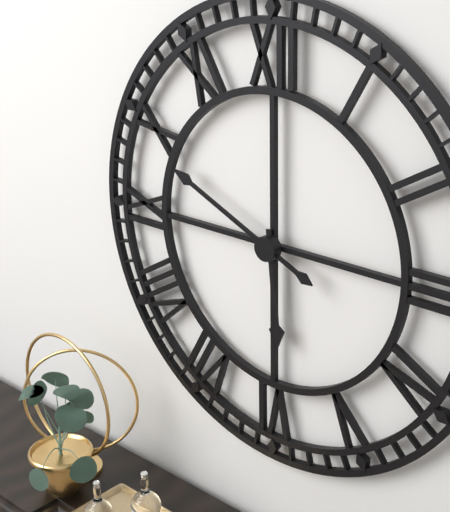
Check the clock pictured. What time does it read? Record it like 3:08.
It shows 5:49
